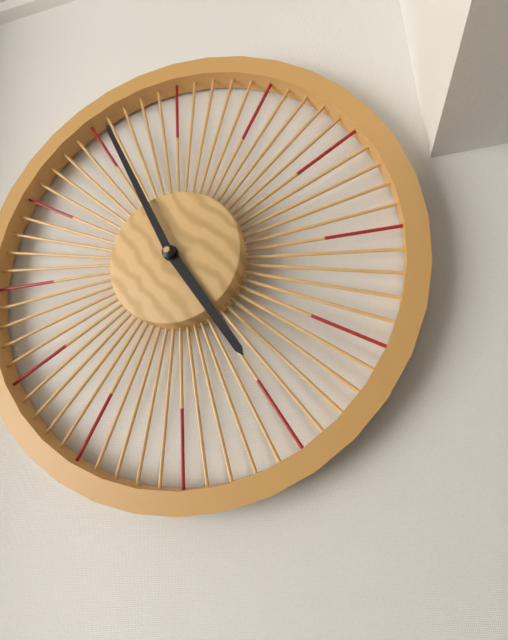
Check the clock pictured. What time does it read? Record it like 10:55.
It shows 4:56
